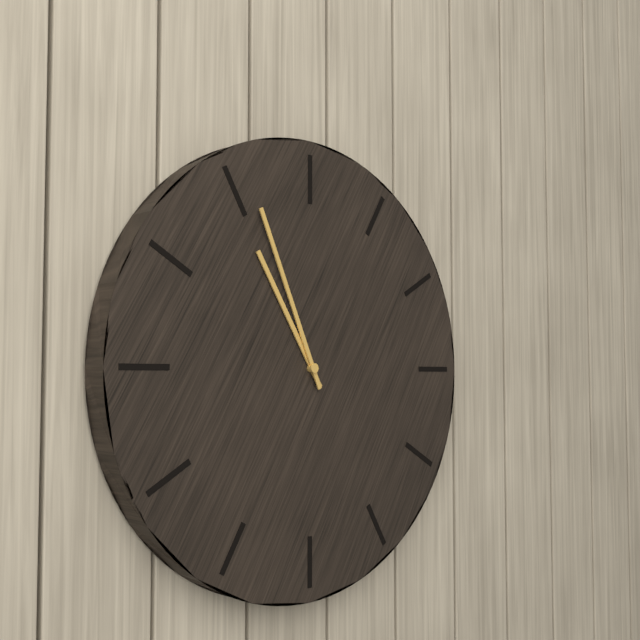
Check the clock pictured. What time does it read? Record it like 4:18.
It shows 10:56
